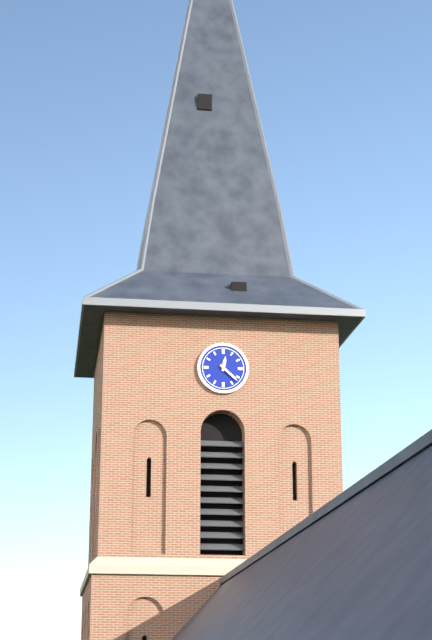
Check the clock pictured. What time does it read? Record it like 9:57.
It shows 12:22
